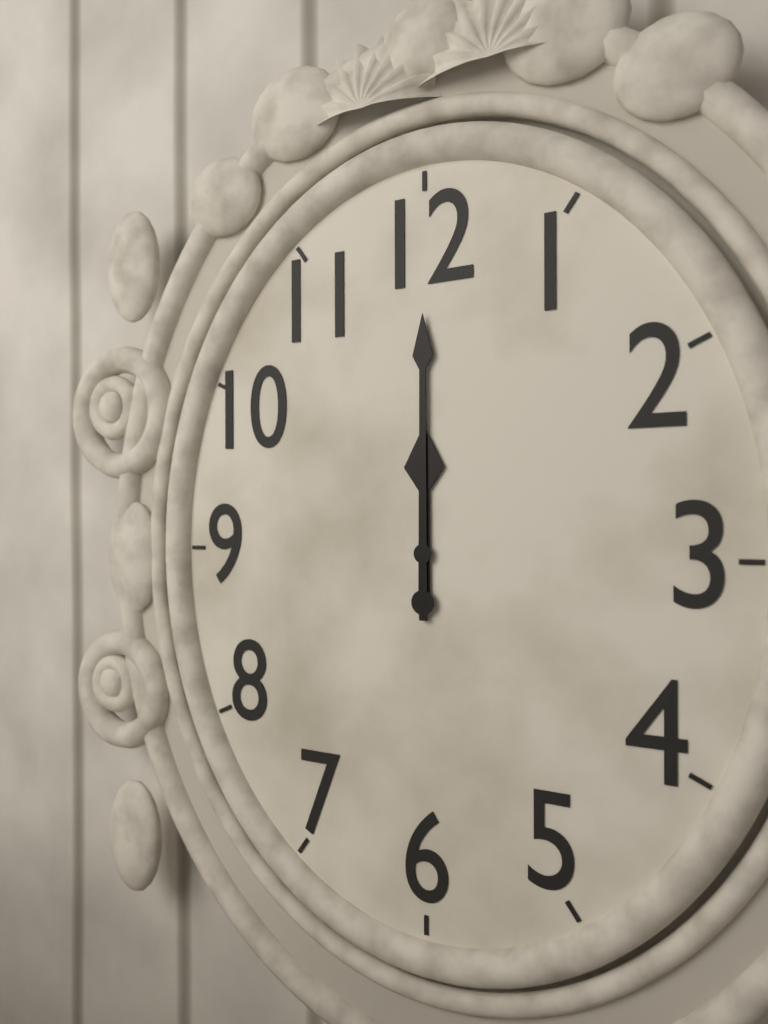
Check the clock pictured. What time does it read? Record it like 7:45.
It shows 12:00
